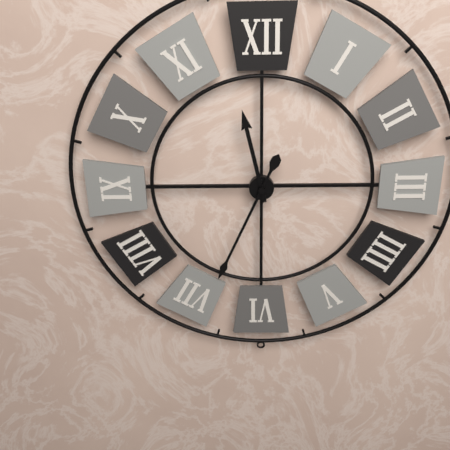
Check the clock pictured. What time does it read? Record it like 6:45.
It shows 11:34
